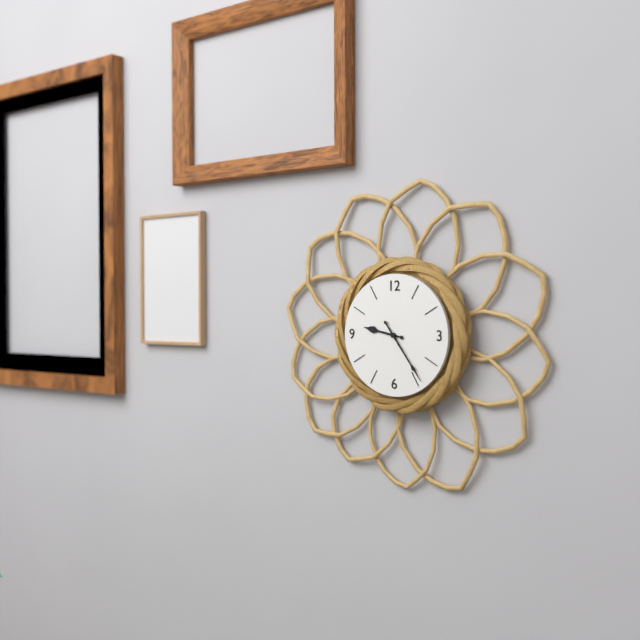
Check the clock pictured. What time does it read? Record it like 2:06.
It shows 9:24
